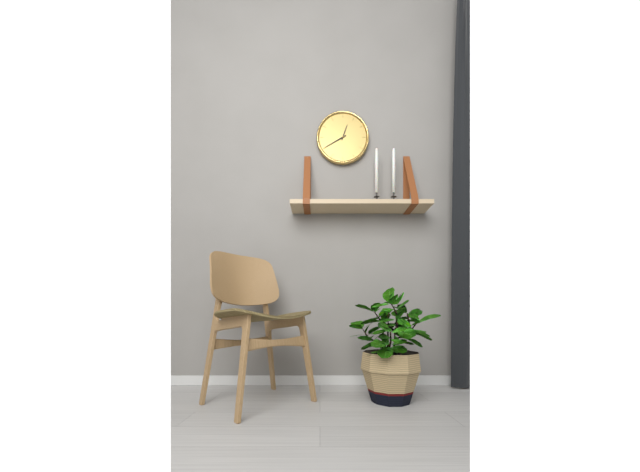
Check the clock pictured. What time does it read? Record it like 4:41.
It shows 12:40
